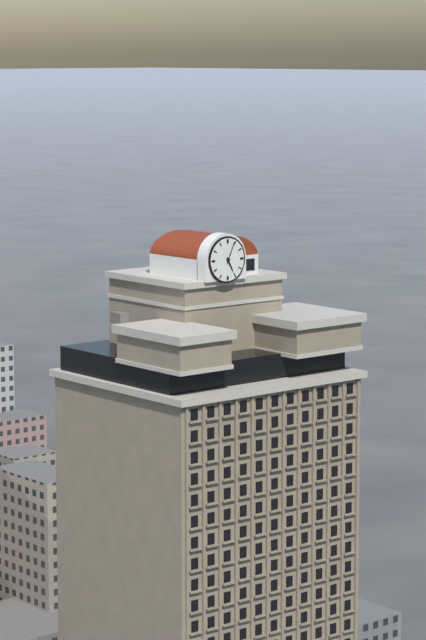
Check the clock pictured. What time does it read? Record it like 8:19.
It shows 5:04
